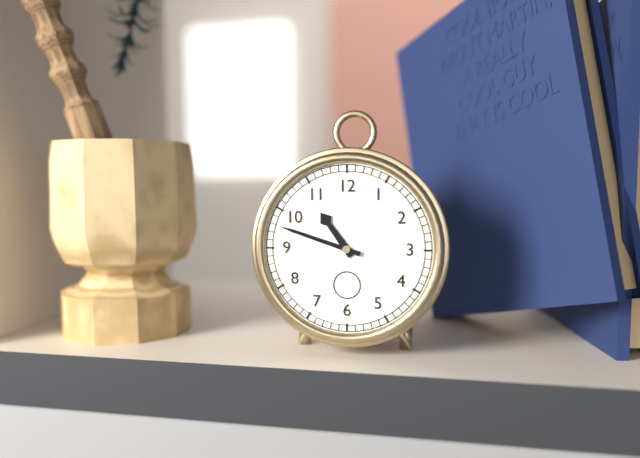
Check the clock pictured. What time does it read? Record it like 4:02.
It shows 10:48
